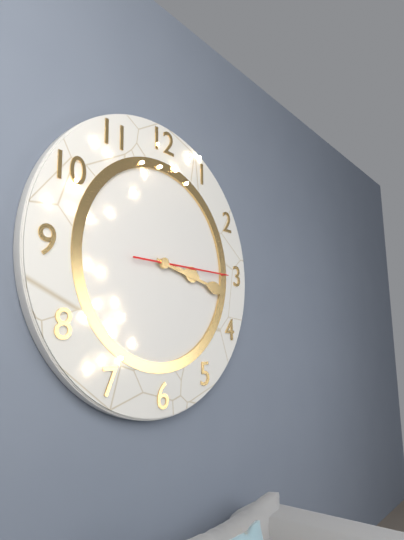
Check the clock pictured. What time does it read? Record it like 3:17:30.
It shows 3:17:15
